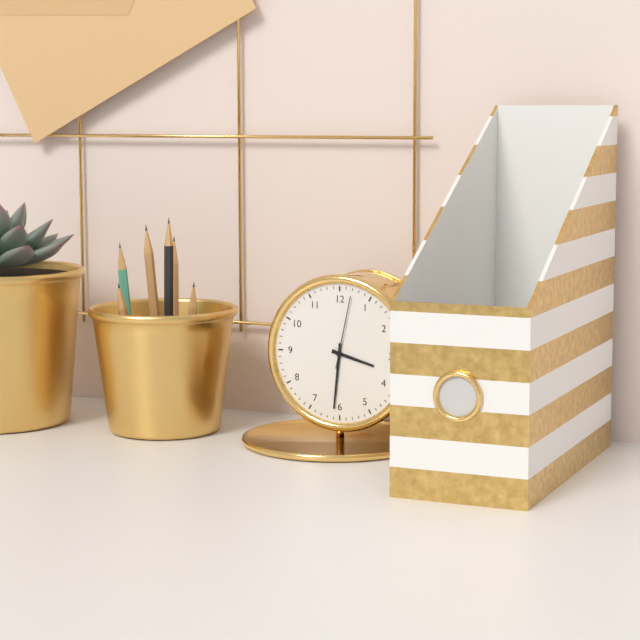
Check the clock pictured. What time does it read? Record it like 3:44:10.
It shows 3:31:02
